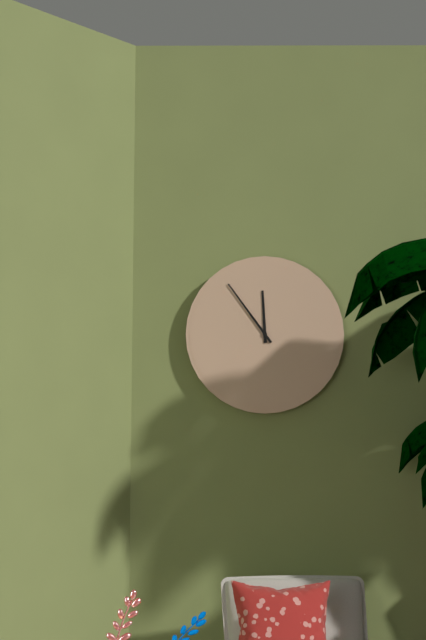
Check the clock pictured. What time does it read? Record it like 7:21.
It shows 11:54
